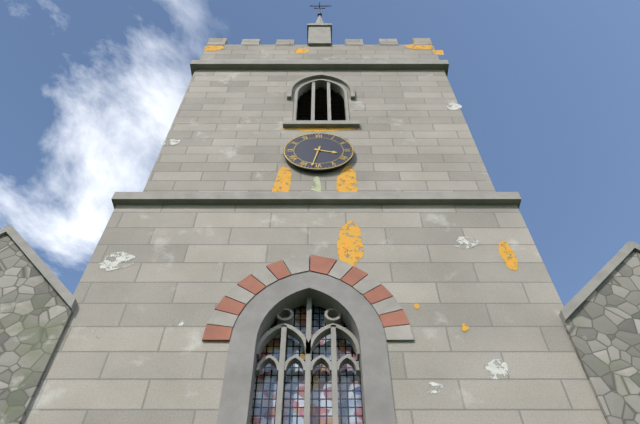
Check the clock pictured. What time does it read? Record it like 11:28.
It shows 3:32
